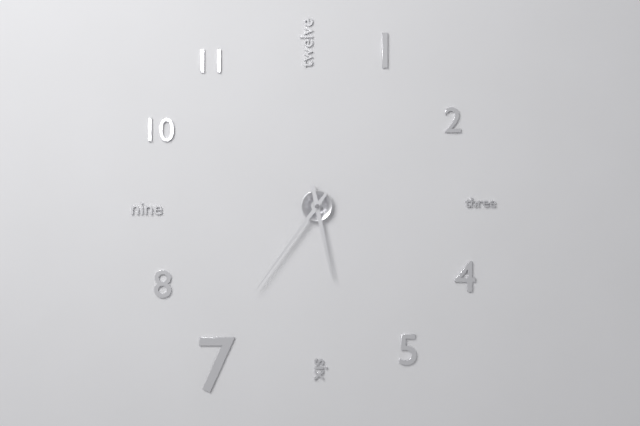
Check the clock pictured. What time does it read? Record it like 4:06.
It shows 5:36
